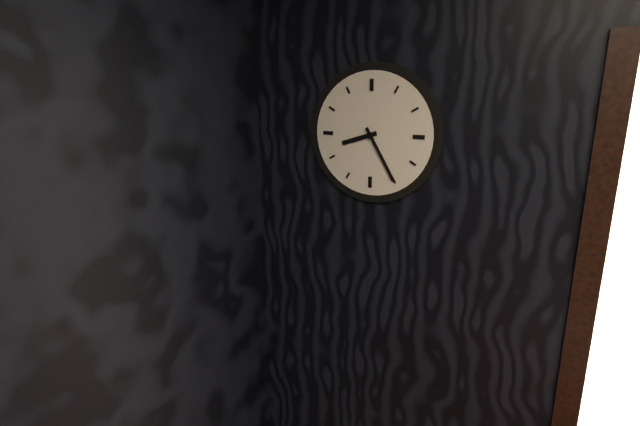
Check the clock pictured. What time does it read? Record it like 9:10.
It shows 8:25
